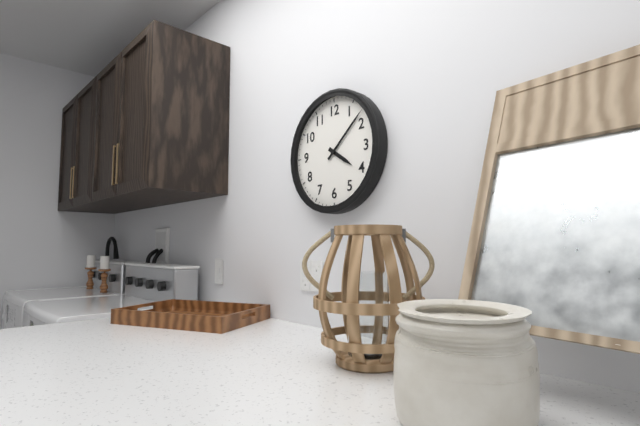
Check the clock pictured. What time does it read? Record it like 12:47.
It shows 4:08
